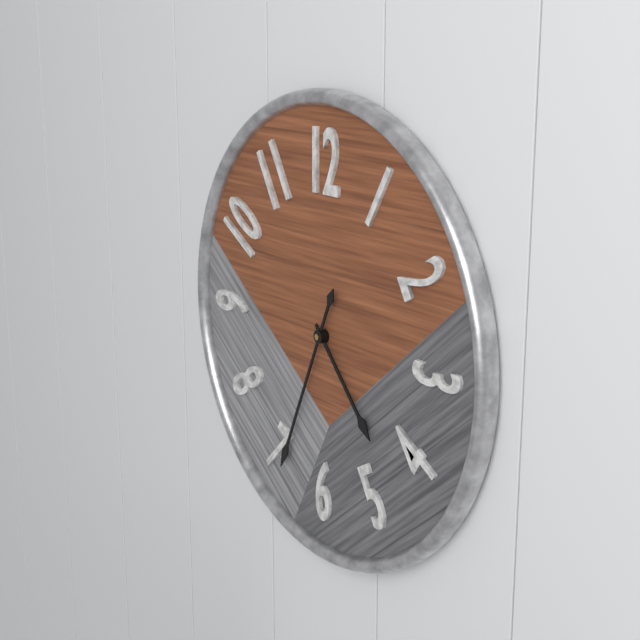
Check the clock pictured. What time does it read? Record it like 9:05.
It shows 4:34
